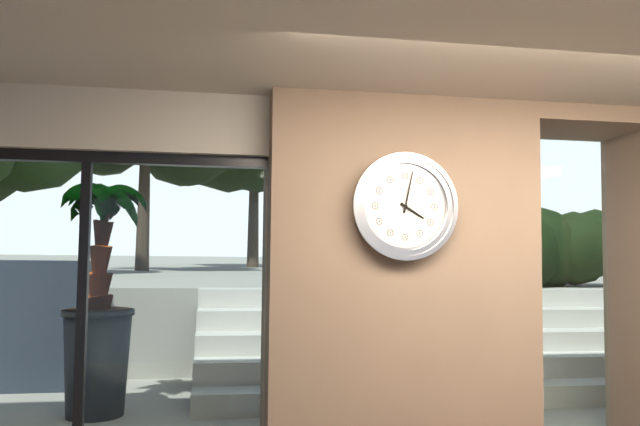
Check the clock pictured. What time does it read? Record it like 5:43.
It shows 4:02
